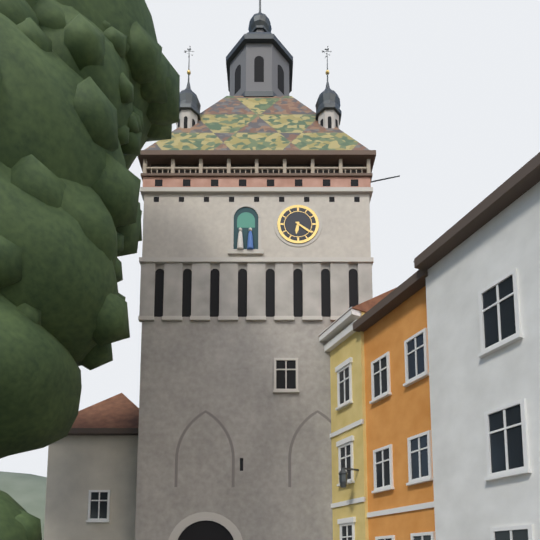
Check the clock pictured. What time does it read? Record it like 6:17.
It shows 6:21
